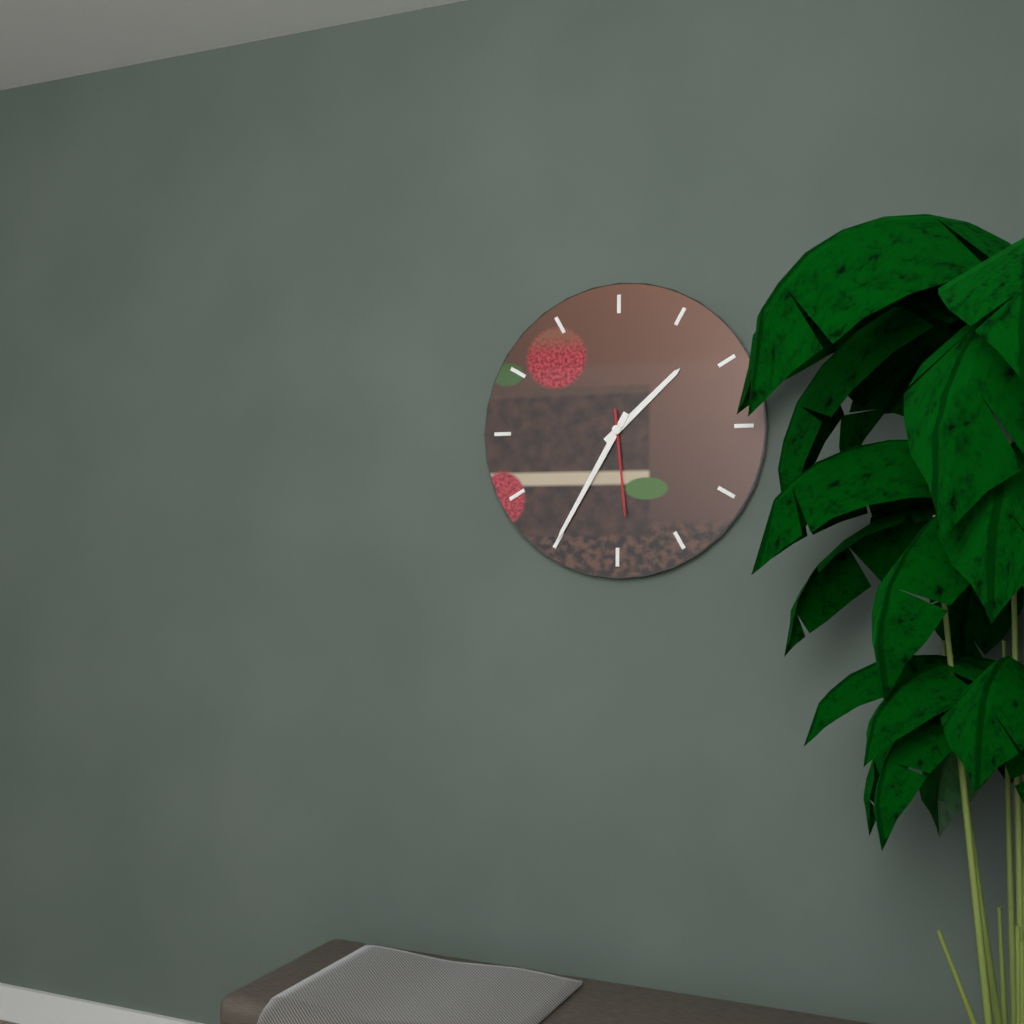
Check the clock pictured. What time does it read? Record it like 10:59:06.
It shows 1:35:29
